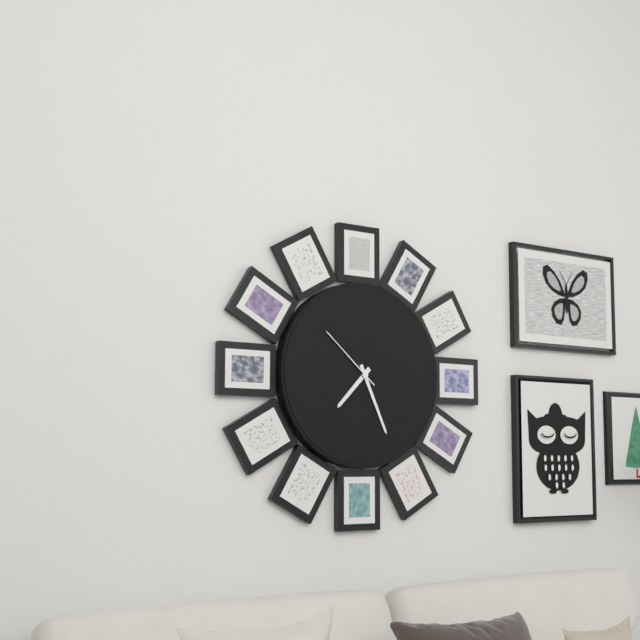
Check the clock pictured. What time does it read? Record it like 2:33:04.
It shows 7:26:52
